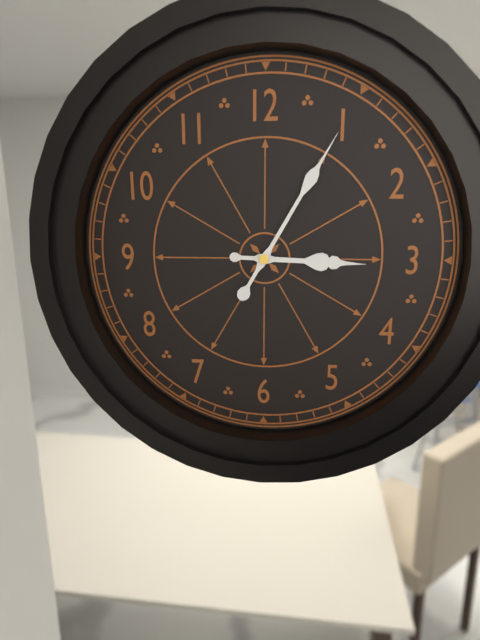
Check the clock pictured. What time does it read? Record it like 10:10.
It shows 3:05
